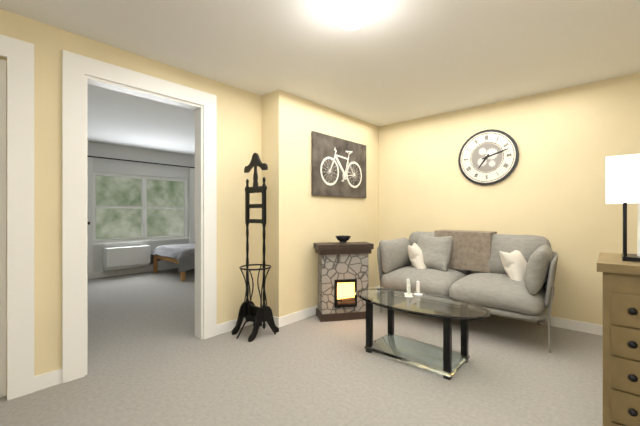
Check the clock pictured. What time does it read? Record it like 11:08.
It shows 7:12
